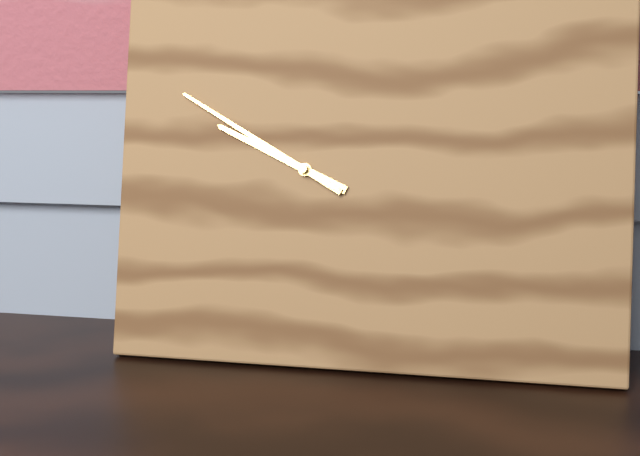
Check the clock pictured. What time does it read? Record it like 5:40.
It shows 9:50
